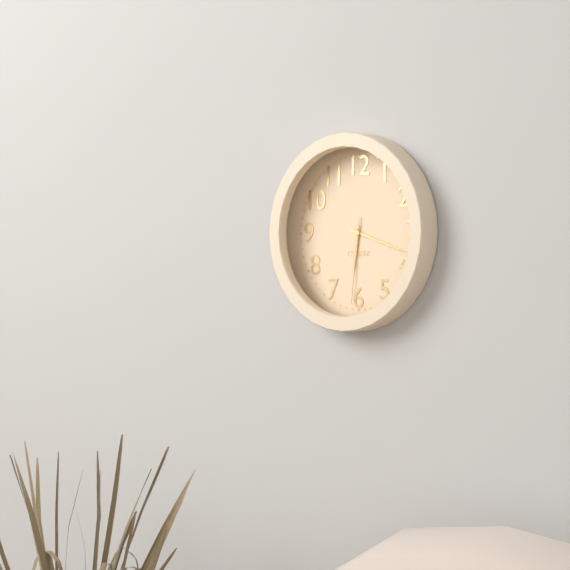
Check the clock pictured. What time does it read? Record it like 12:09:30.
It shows 6:18:31
